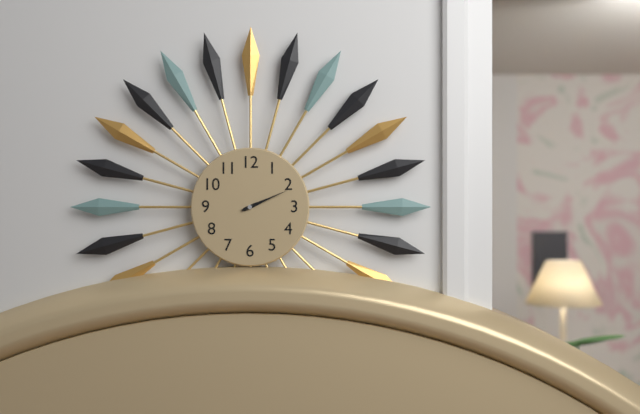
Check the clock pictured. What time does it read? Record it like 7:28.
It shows 2:11
